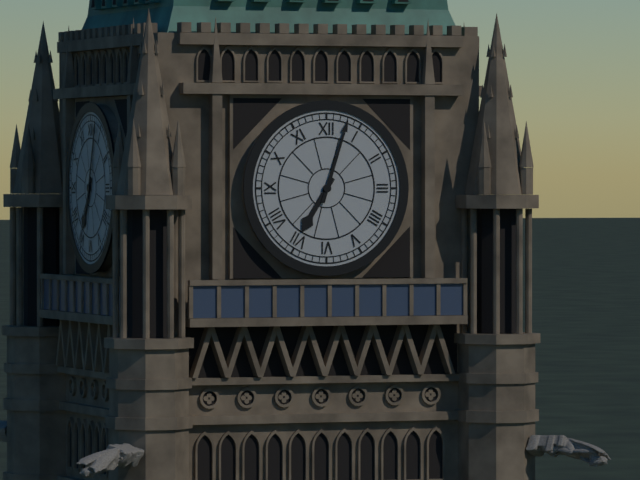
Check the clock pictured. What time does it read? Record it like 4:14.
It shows 7:03
